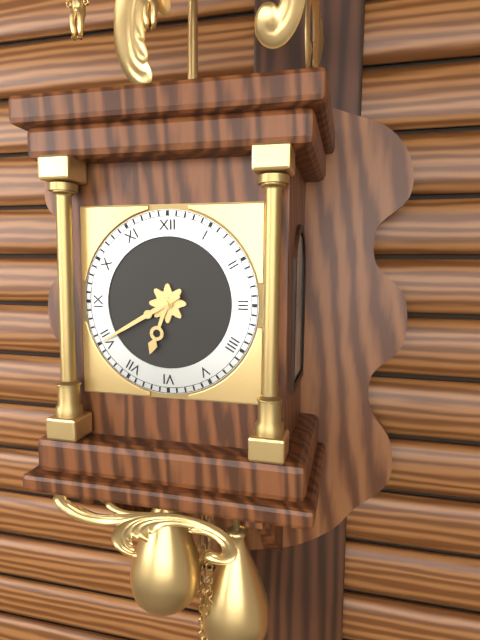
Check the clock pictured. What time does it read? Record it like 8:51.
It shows 6:40
